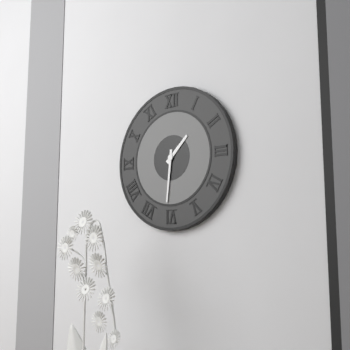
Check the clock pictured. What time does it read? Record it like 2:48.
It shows 1:31
